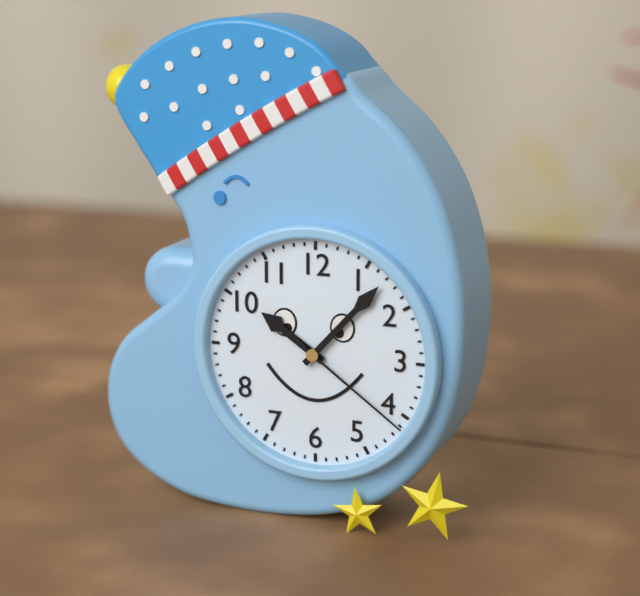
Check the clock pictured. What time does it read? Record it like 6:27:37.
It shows 10:07:21
